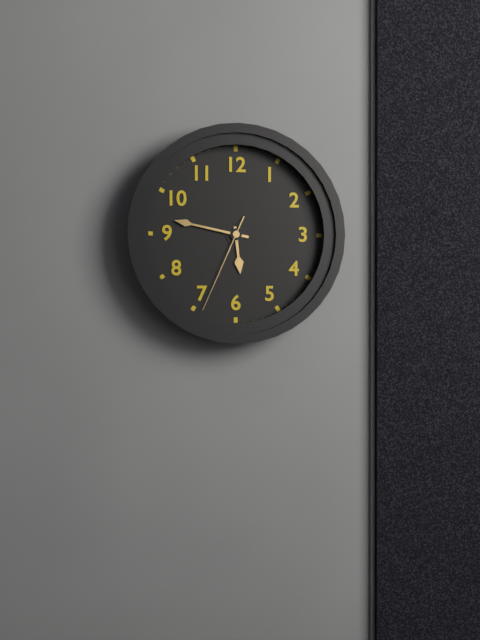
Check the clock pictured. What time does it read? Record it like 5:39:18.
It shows 5:47:34
